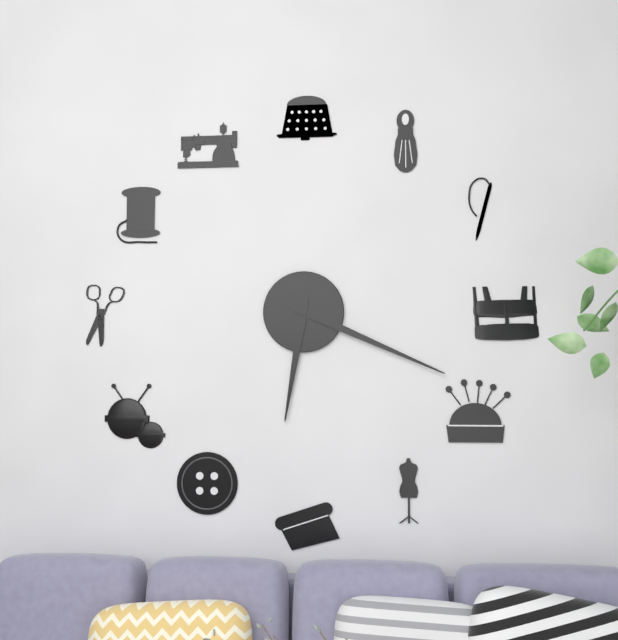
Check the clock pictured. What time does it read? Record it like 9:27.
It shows 6:19
